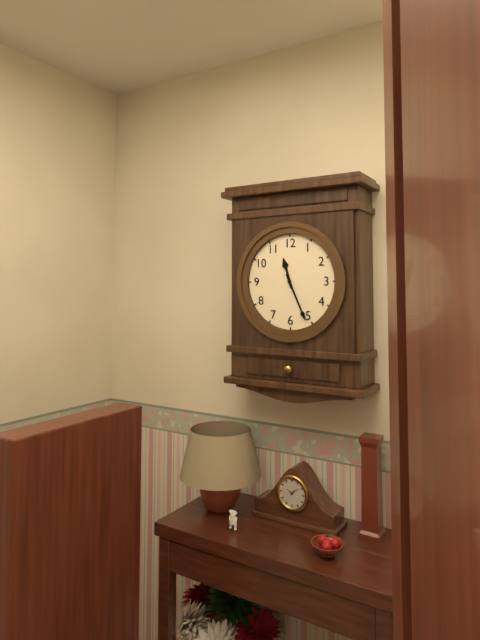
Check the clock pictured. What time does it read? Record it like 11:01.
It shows 11:26
